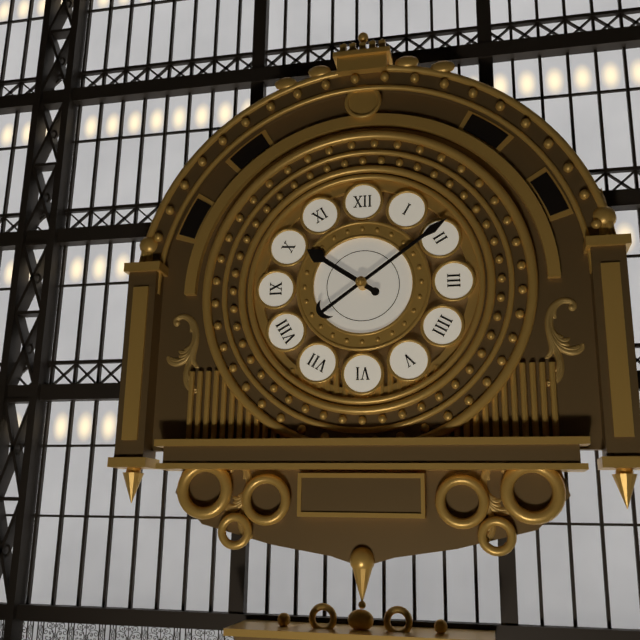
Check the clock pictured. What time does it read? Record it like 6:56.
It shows 10:09
